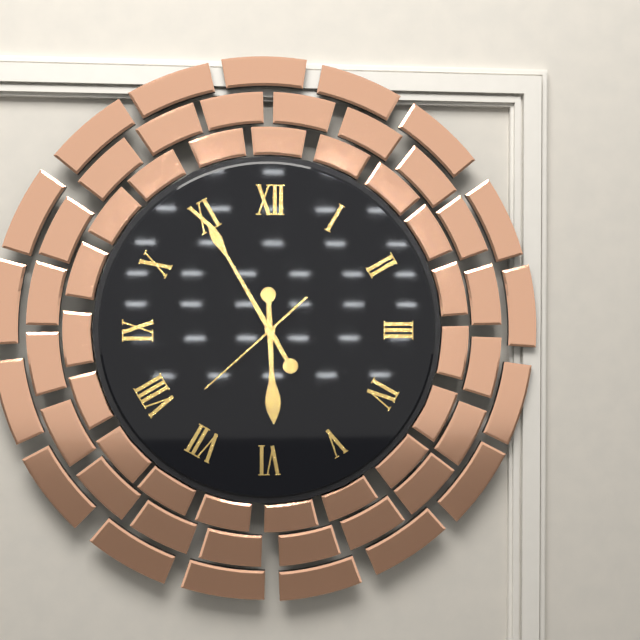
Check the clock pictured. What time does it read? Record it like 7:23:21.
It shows 5:55:38
